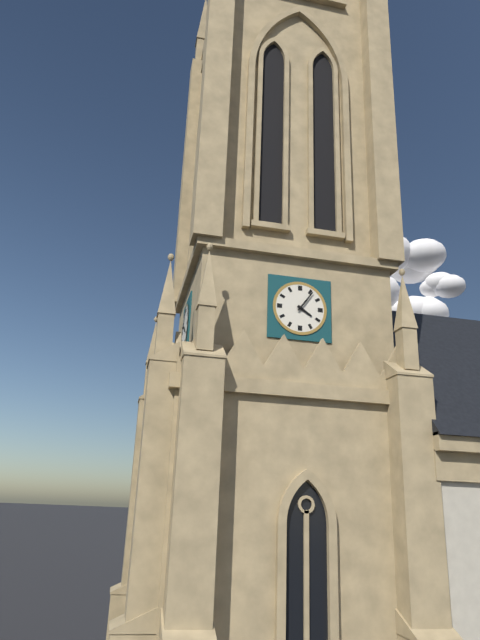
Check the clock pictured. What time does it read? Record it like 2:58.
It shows 4:06
